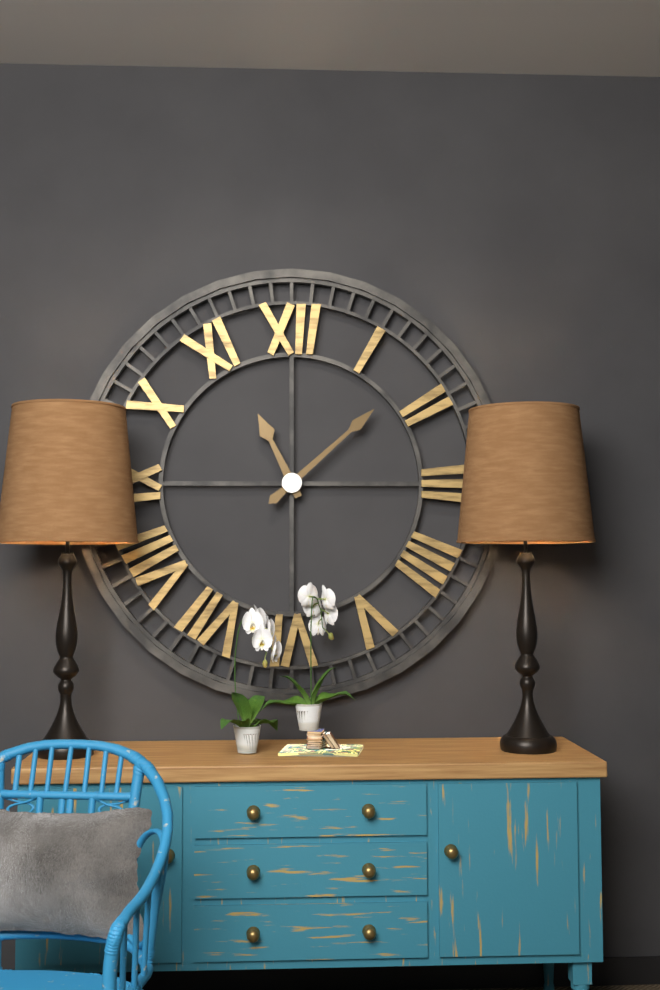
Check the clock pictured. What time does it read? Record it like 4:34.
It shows 11:08
